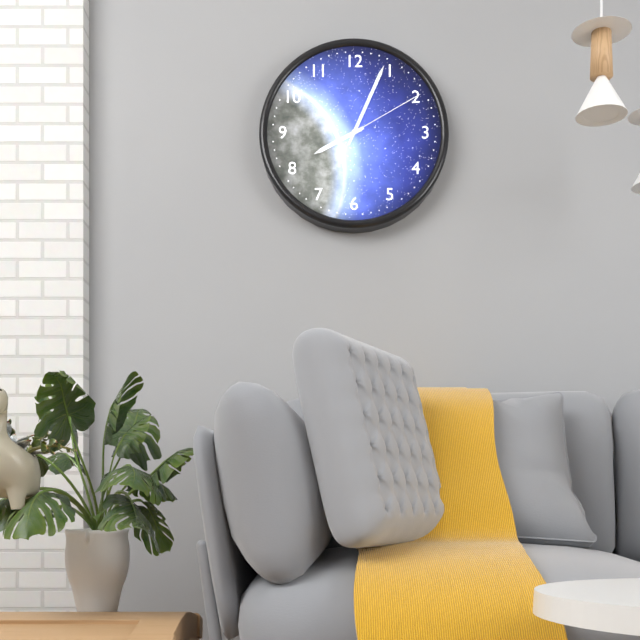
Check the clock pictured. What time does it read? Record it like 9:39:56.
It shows 8:04:10
